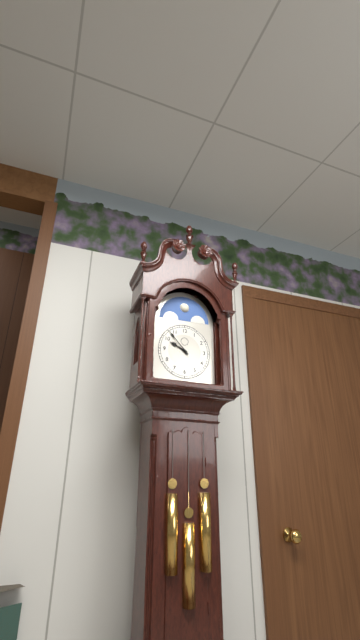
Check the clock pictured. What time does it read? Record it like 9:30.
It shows 9:53
